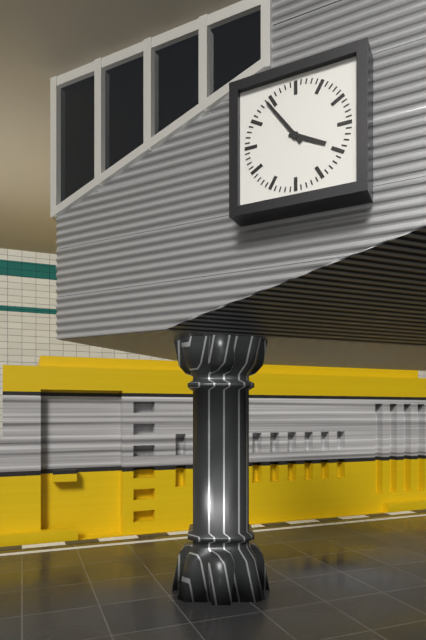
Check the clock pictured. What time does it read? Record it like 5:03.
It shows 3:54
